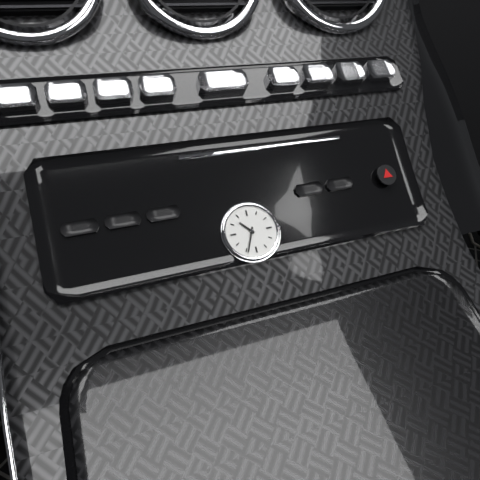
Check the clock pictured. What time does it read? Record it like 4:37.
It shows 10:34
